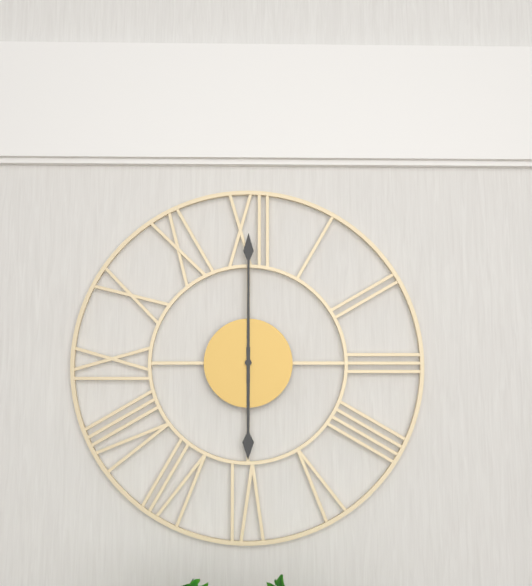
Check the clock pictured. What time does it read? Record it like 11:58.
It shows 6:00
